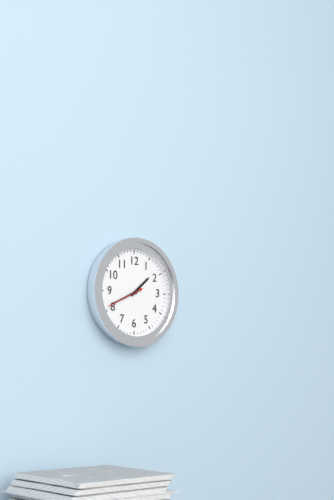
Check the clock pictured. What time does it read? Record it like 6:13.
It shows 1:41
